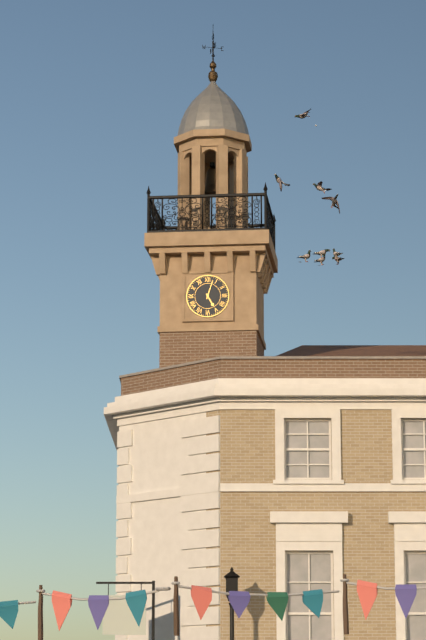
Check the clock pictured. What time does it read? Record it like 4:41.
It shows 5:03
